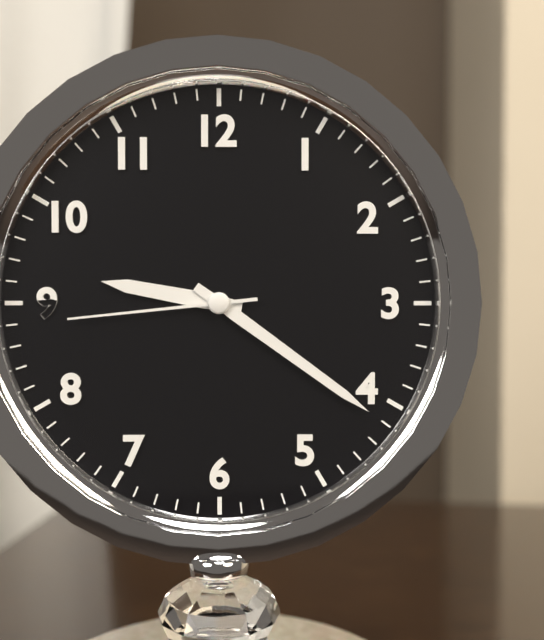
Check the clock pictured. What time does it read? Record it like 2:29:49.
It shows 9:21:44
